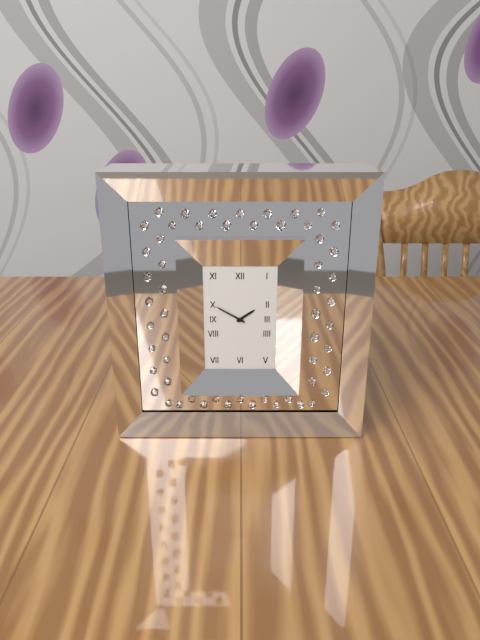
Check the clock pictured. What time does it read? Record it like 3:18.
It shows 1:50
